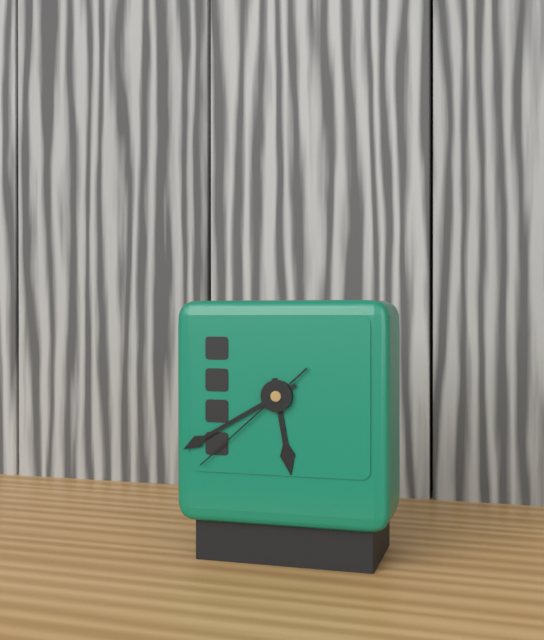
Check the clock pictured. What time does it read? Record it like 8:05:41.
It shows 5:40:38
